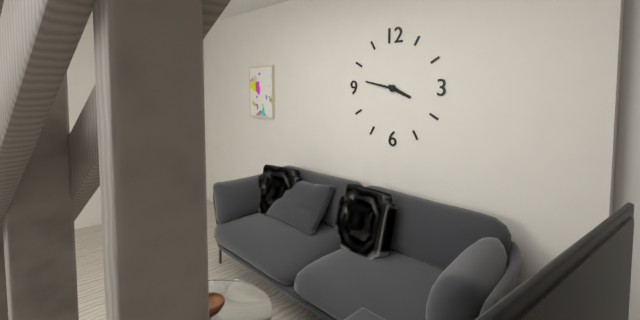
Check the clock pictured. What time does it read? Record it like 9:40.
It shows 3:47
